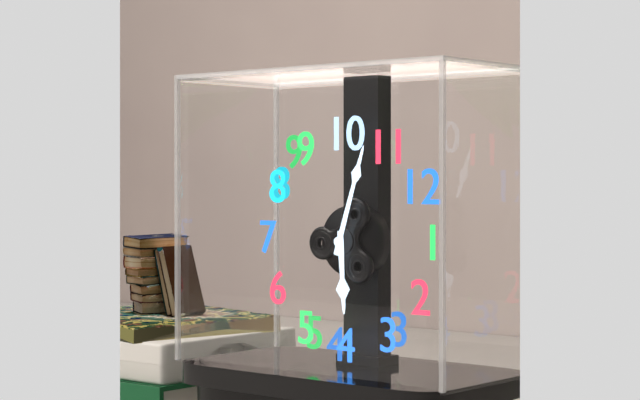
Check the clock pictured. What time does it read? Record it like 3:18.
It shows 3:53
